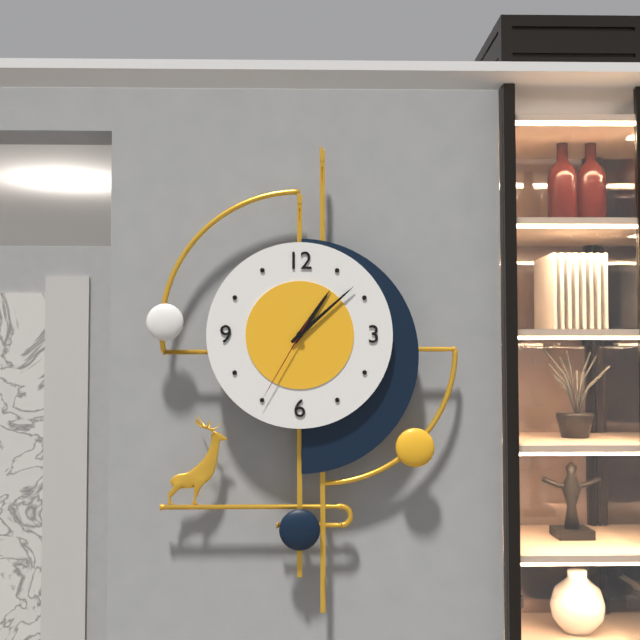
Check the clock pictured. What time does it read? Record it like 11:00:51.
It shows 1:08:35
